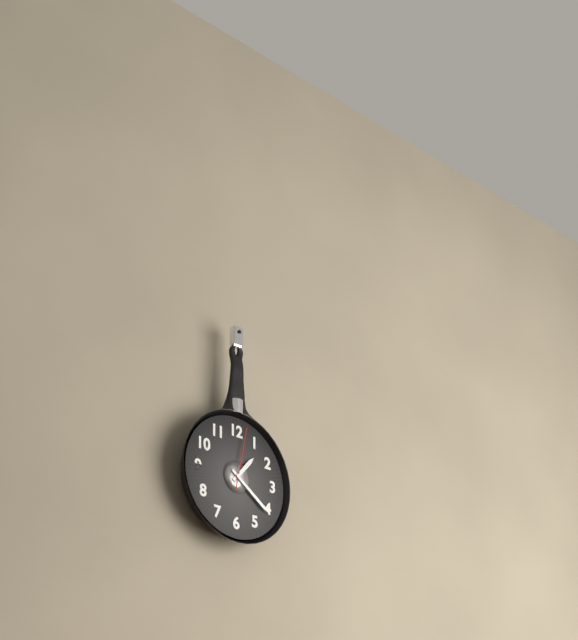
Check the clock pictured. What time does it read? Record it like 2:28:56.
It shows 1:21:02
